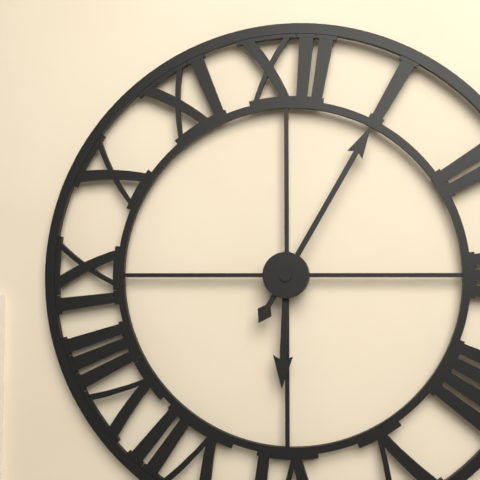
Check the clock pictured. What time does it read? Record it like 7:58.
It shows 6:05
